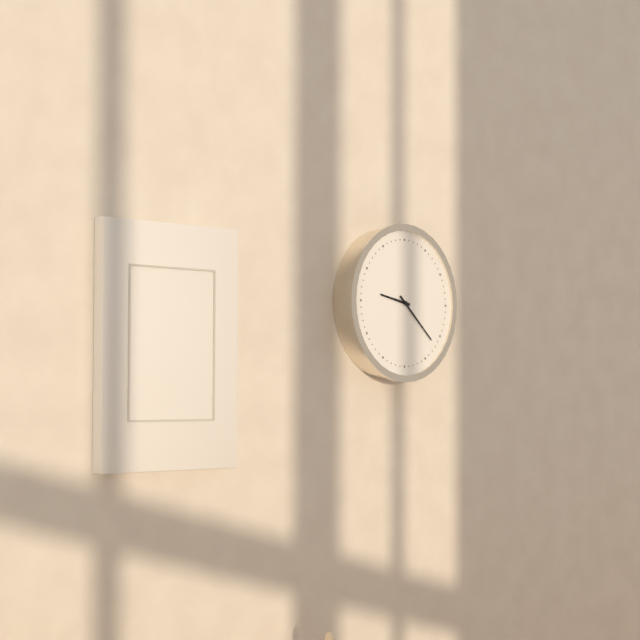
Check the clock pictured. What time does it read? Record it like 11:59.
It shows 9:22
